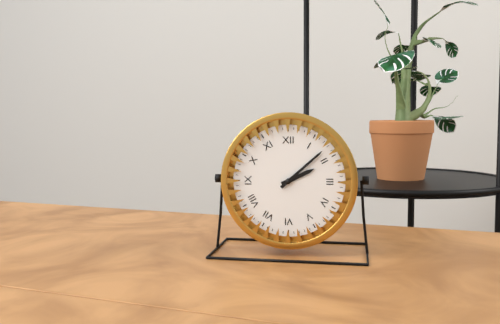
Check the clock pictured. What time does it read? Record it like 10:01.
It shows 2:08
